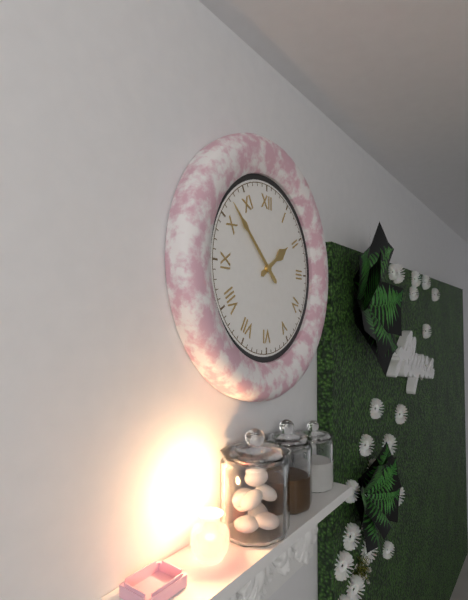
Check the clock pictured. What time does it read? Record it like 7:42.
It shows 1:52
